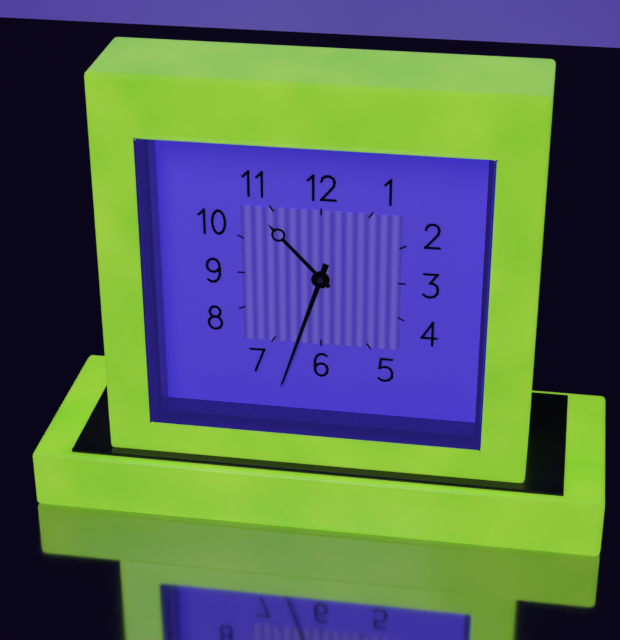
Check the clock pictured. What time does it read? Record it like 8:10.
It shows 10:33
